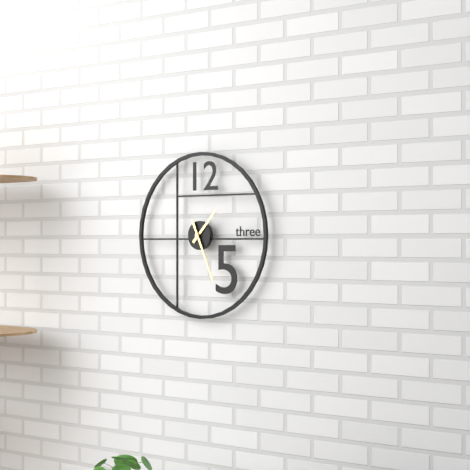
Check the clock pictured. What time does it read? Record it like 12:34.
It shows 1:26
